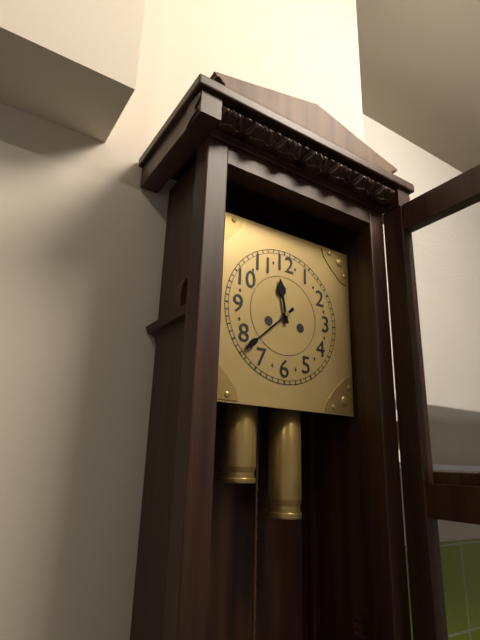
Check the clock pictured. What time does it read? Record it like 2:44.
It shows 11:38
